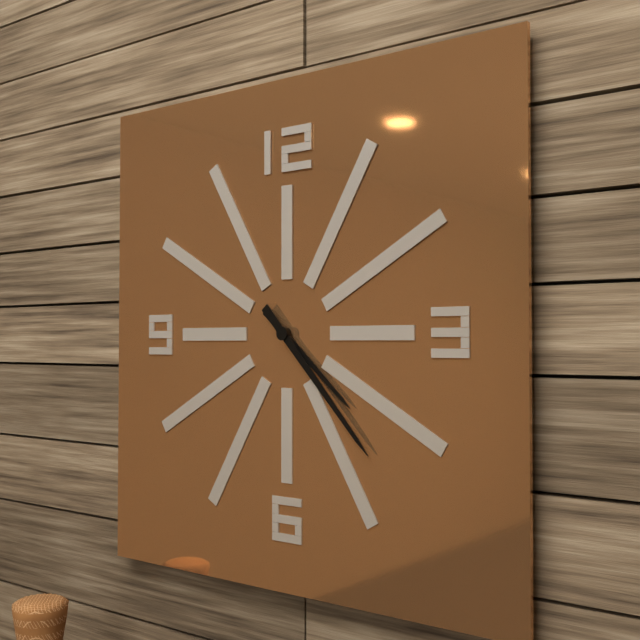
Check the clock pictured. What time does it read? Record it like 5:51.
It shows 4:23
